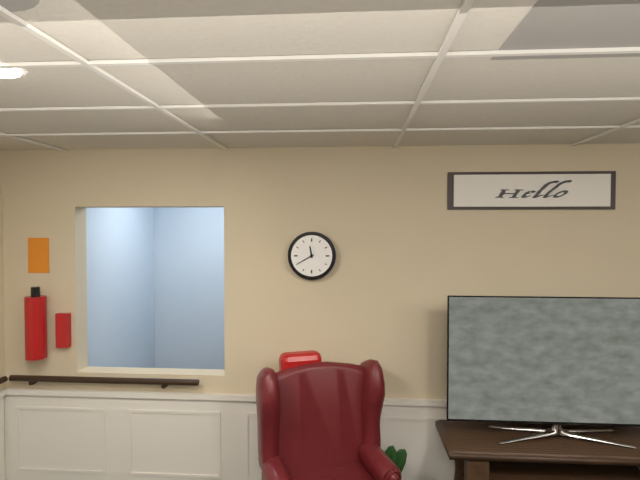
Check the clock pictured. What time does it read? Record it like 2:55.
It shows 11:40
